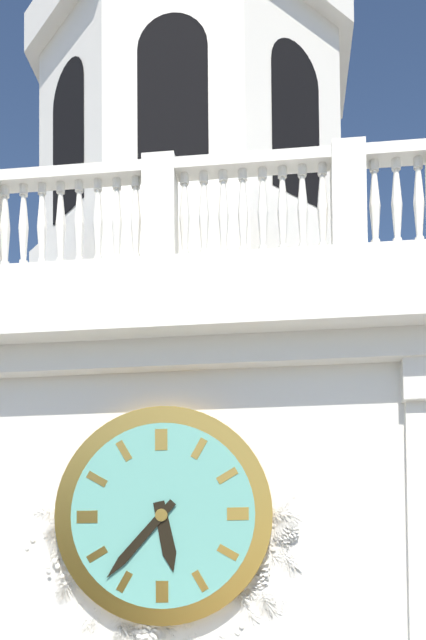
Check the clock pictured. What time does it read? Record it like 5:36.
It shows 5:37
